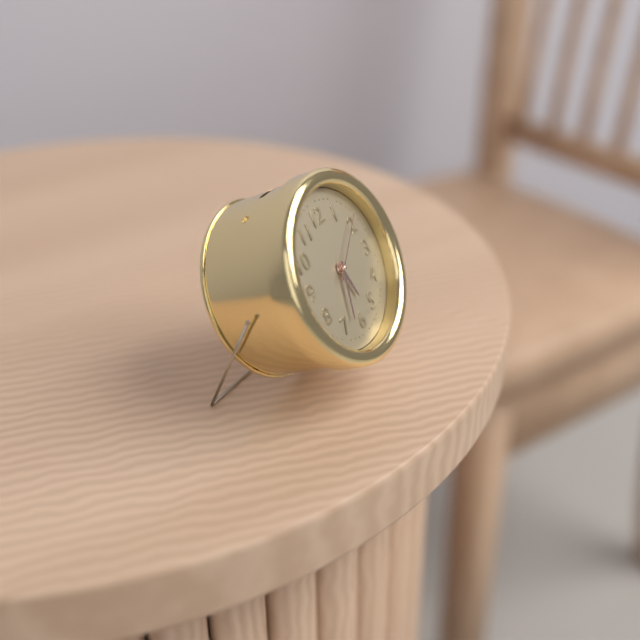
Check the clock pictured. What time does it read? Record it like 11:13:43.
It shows 5:33:09
